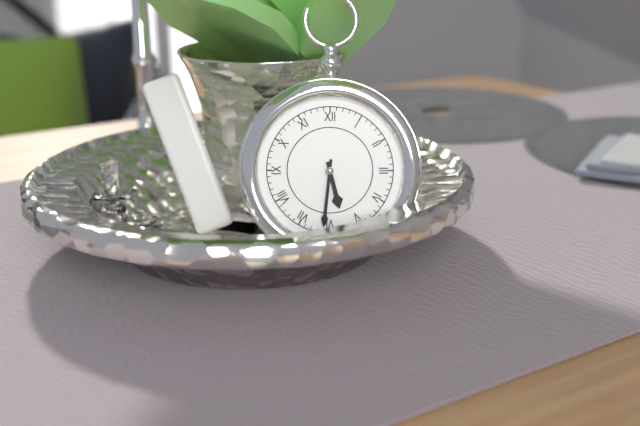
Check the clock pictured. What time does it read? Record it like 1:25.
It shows 5:31
